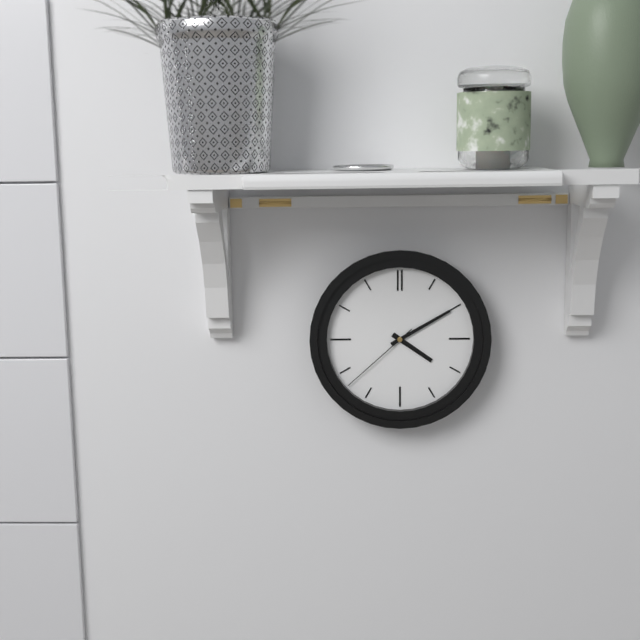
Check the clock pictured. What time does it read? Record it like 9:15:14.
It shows 4:10:38
